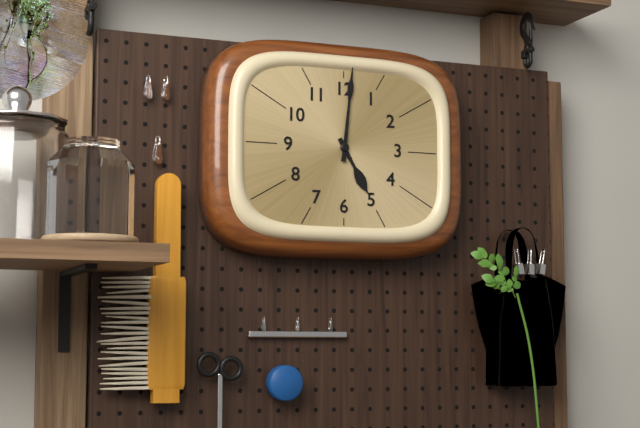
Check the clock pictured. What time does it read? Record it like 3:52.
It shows 5:01
